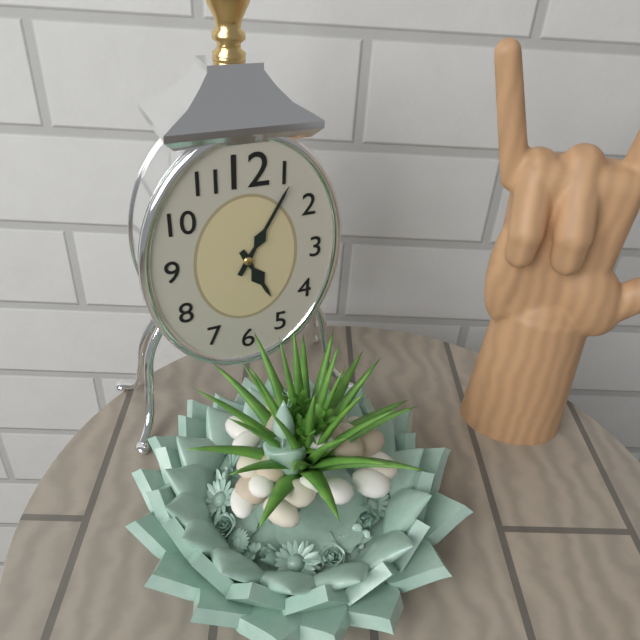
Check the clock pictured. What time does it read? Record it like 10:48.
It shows 5:05
